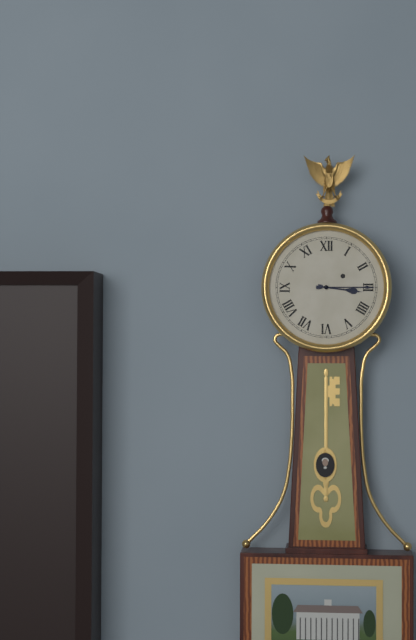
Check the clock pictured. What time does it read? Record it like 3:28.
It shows 3:15
